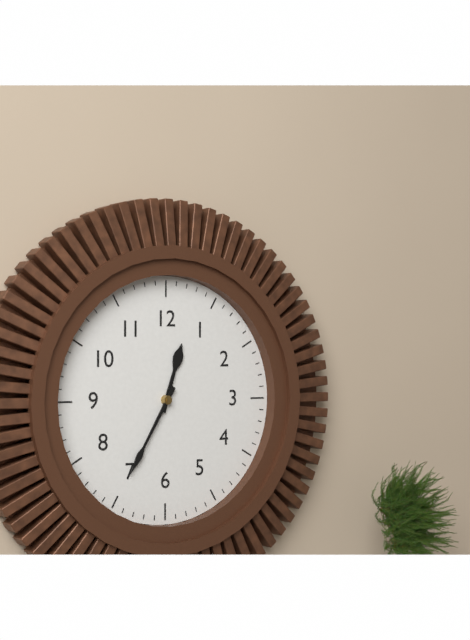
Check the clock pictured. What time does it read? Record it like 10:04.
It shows 12:35
